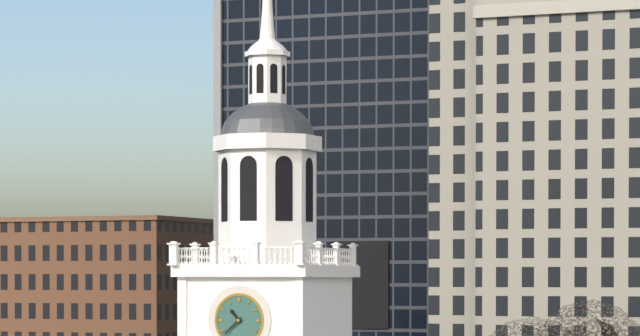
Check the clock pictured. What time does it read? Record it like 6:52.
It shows 10:38
